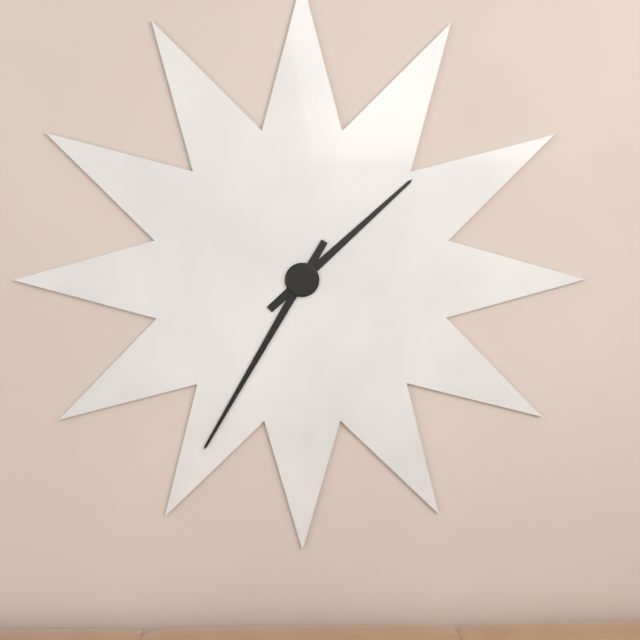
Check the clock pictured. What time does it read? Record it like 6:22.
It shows 1:35
